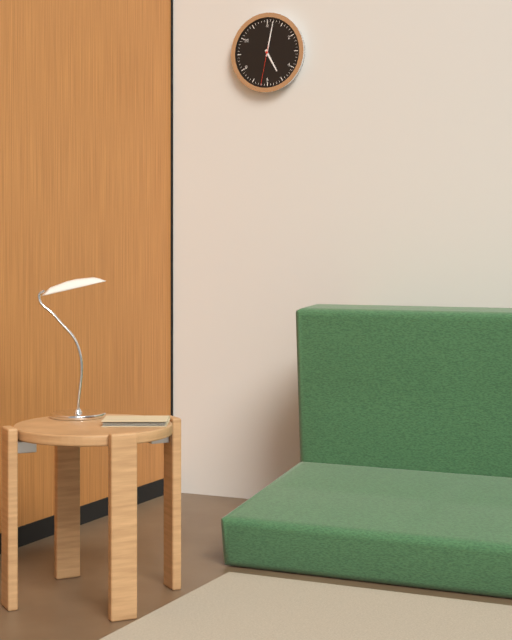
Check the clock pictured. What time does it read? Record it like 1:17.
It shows 5:02
